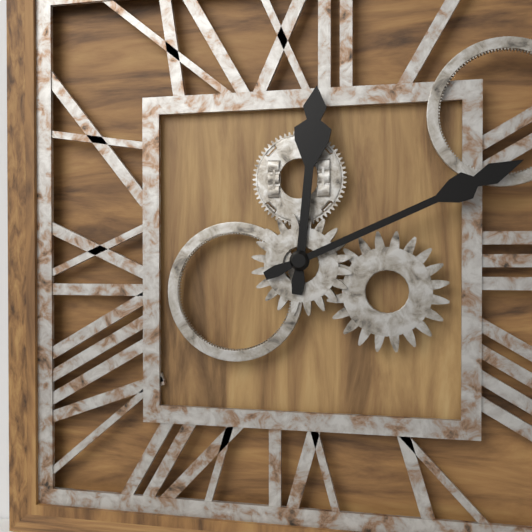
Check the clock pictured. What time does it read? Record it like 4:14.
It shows 12:11
